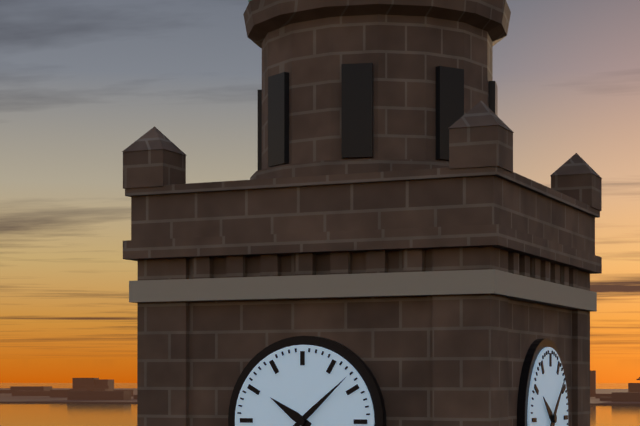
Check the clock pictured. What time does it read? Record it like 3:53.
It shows 10:08
